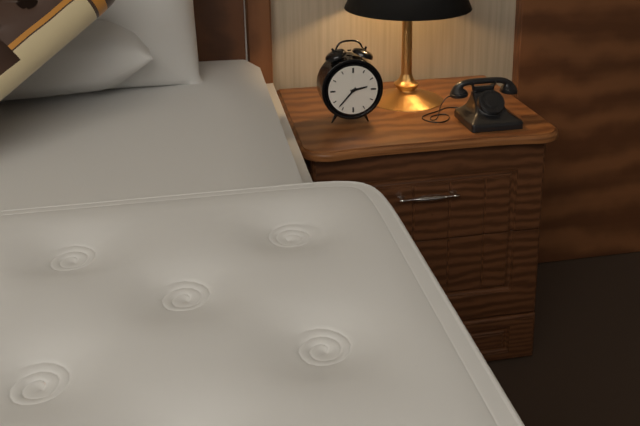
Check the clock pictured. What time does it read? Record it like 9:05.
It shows 2:37
